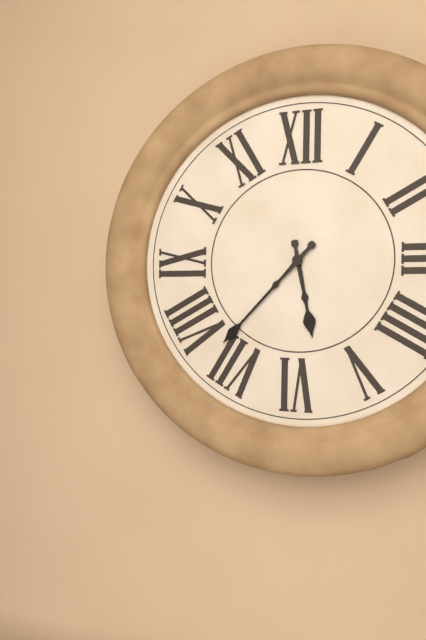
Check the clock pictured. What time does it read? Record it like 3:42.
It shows 5:37
